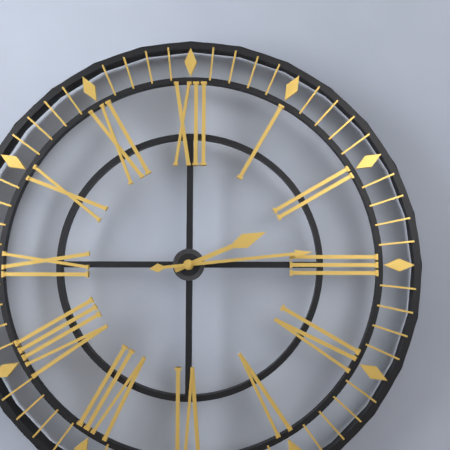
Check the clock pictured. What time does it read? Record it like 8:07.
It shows 2:14
